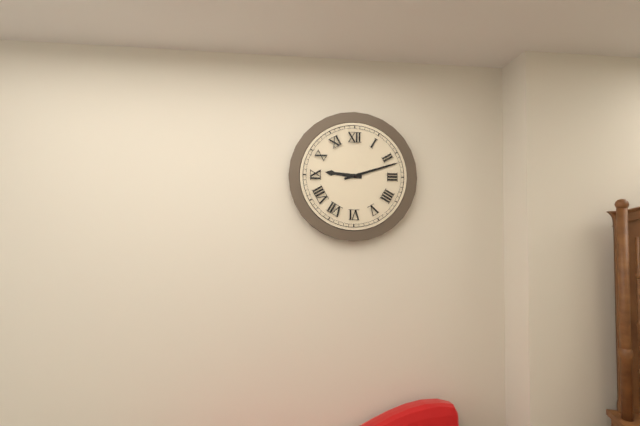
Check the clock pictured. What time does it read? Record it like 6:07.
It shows 9:12
